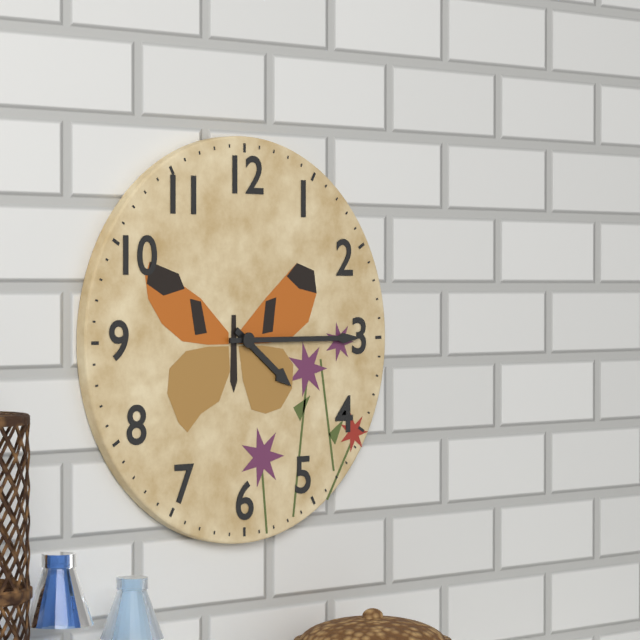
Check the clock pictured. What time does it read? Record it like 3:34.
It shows 4:15
